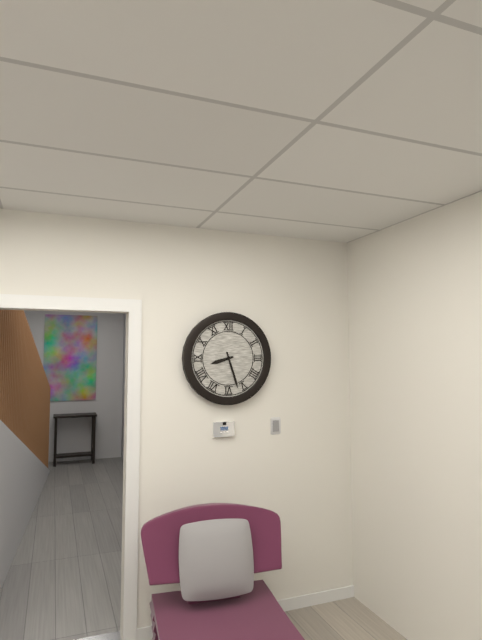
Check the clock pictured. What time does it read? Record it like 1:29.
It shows 8:27
